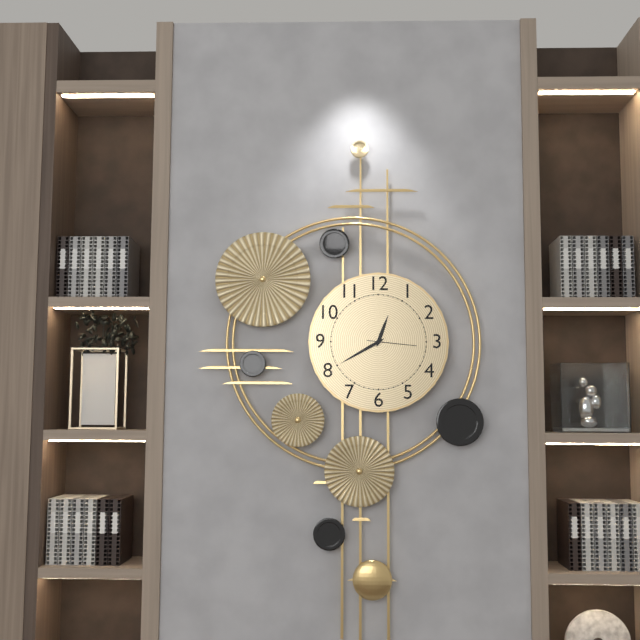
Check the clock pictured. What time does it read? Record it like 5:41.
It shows 12:40
